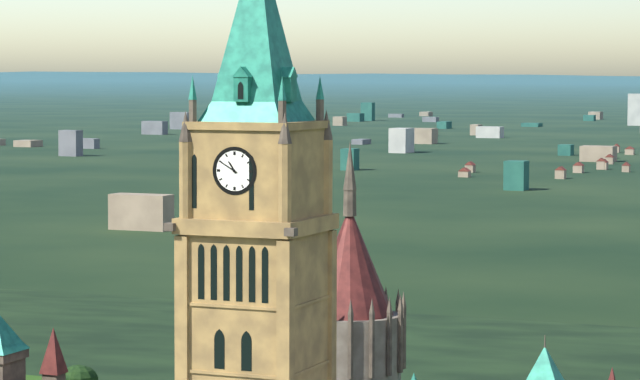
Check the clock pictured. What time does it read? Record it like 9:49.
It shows 10:50
